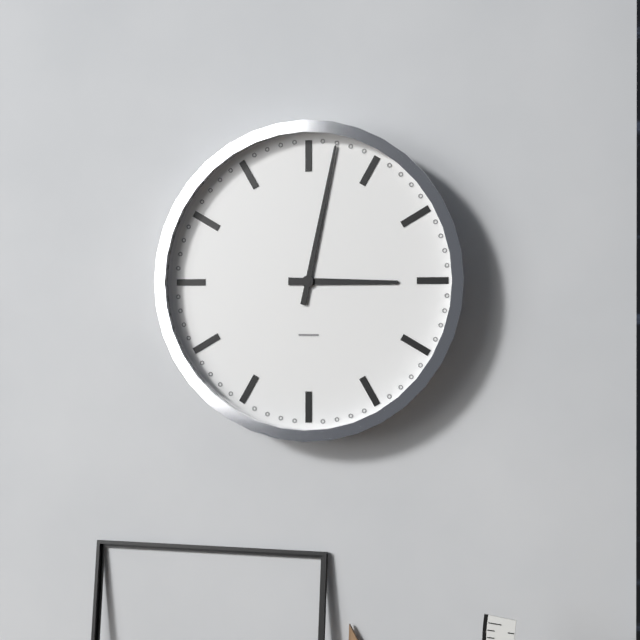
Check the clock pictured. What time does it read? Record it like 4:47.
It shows 3:02
